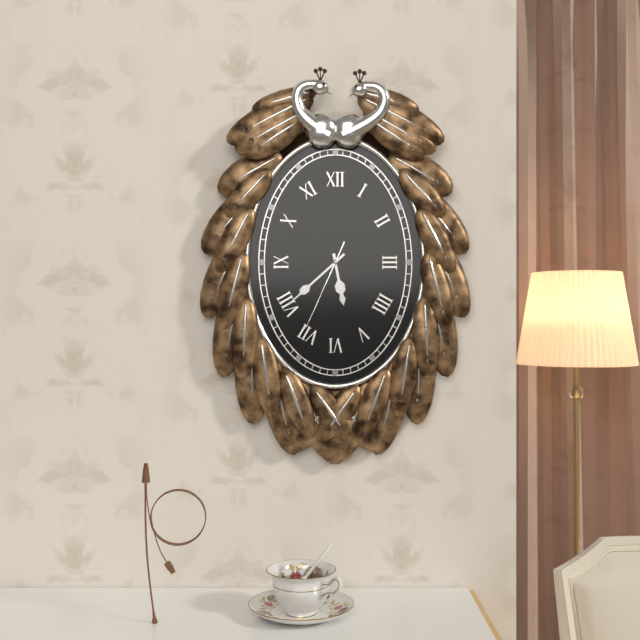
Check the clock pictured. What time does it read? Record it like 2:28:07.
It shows 5:38:34
